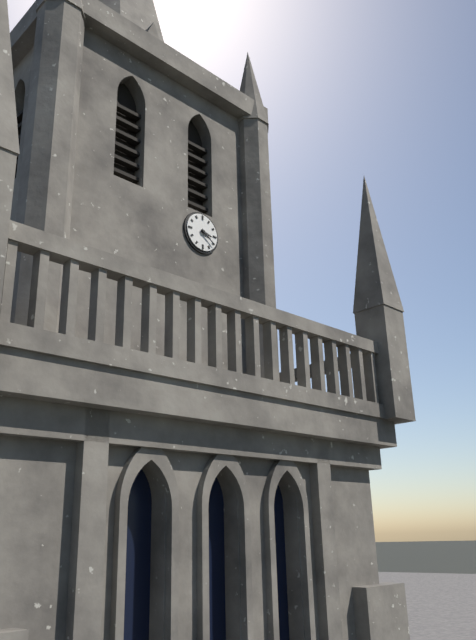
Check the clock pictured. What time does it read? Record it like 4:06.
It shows 3:21
